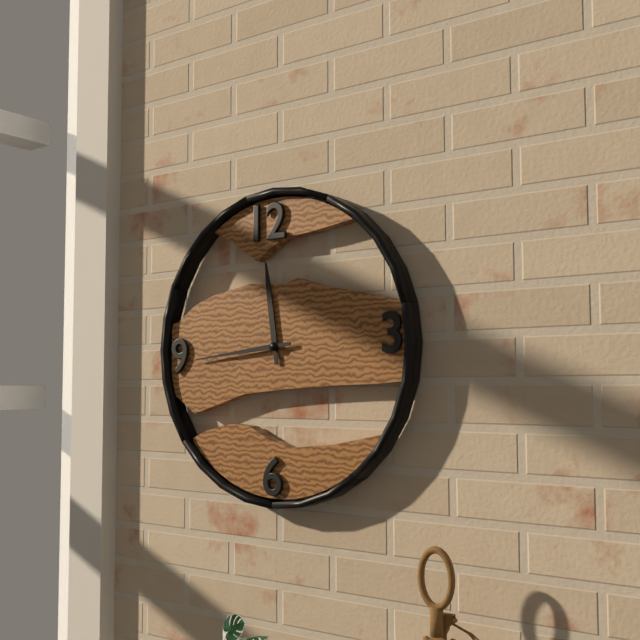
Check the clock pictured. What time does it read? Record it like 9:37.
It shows 11:44
